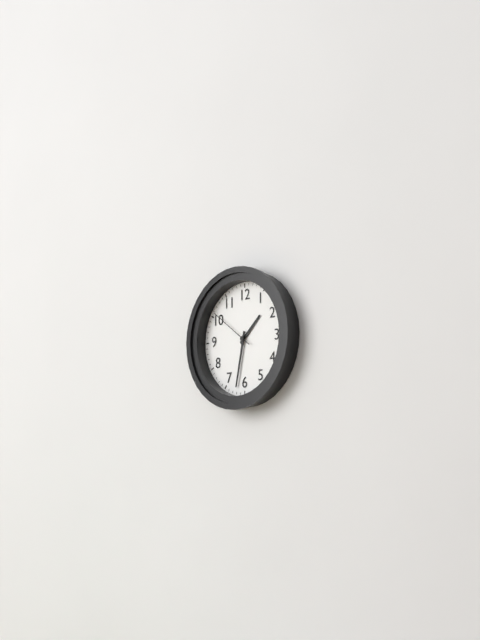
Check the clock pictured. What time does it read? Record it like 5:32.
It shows 1:32
